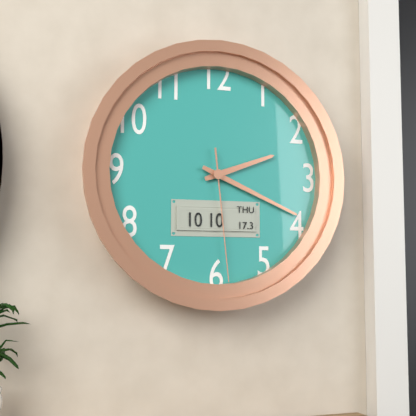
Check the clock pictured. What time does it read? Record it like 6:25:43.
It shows 2:19:29
